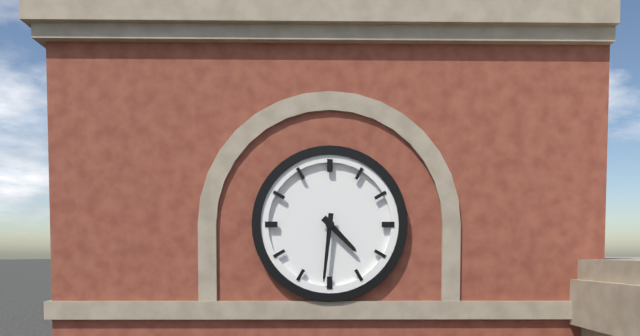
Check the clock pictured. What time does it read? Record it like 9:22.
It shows 4:31
